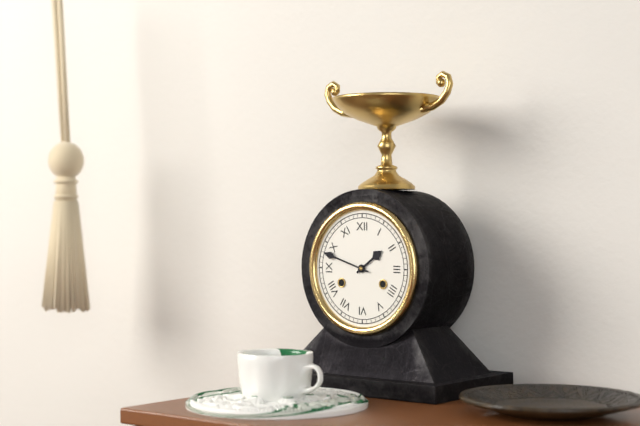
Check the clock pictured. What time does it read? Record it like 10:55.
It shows 1:48
